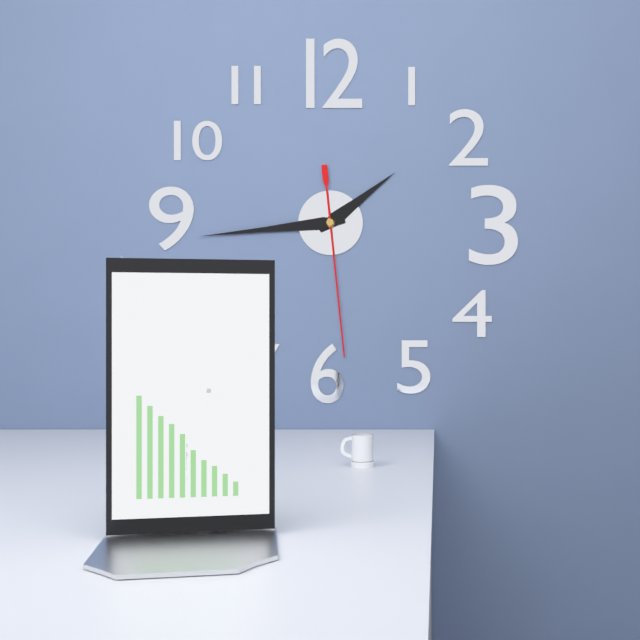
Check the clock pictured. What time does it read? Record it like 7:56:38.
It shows 1:44:29
